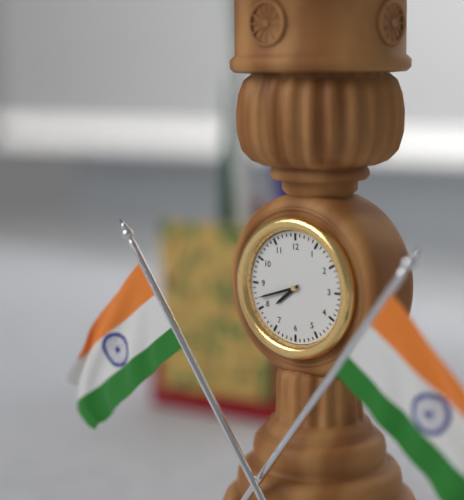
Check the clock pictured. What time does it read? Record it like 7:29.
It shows 7:42
